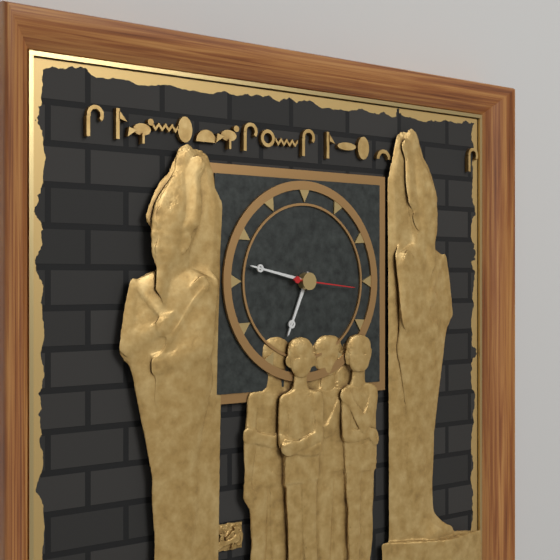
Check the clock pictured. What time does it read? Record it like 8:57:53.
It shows 6:47:16
